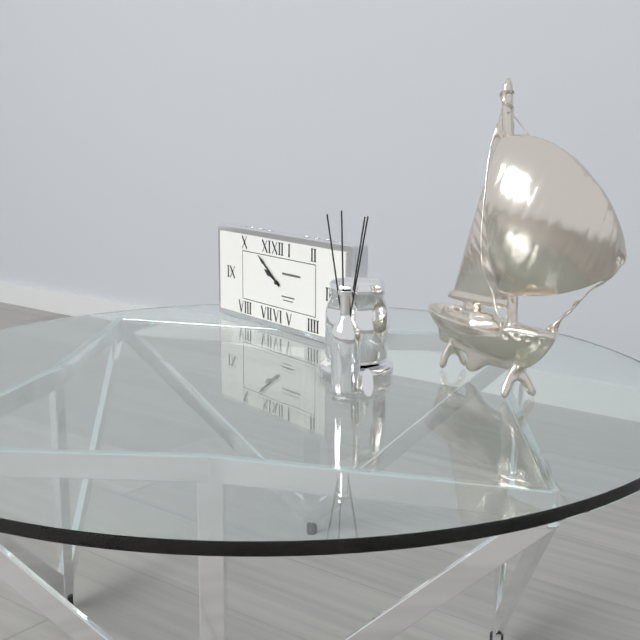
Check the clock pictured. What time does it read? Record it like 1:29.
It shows 9:51
